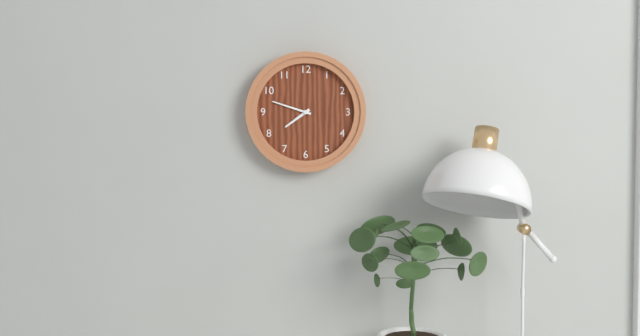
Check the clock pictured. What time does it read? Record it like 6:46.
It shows 7:48
